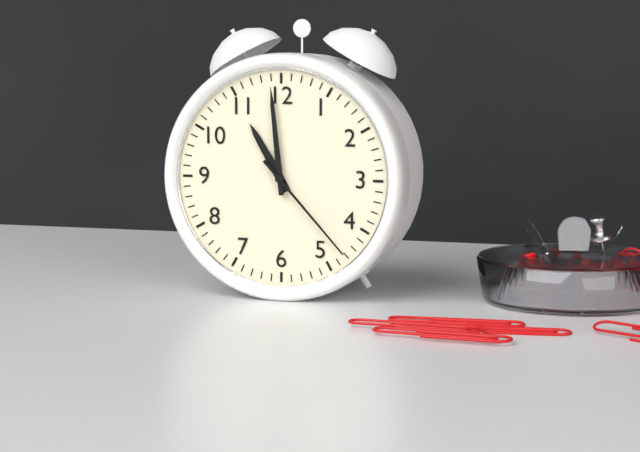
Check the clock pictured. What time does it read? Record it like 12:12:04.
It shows 10:59:23
